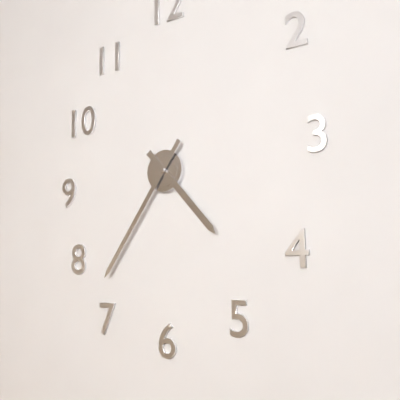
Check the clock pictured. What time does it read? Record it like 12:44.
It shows 4:36
